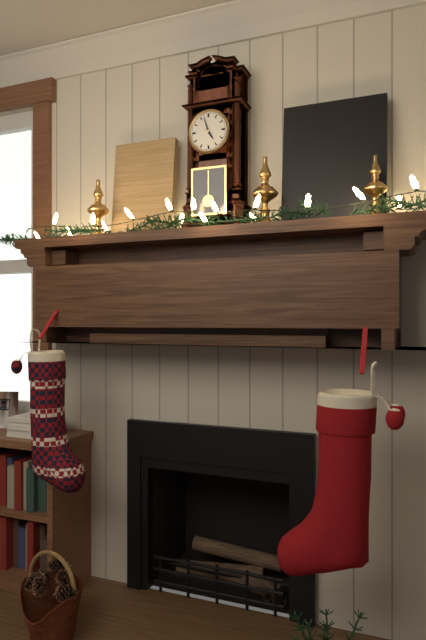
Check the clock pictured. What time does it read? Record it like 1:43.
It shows 4:57
